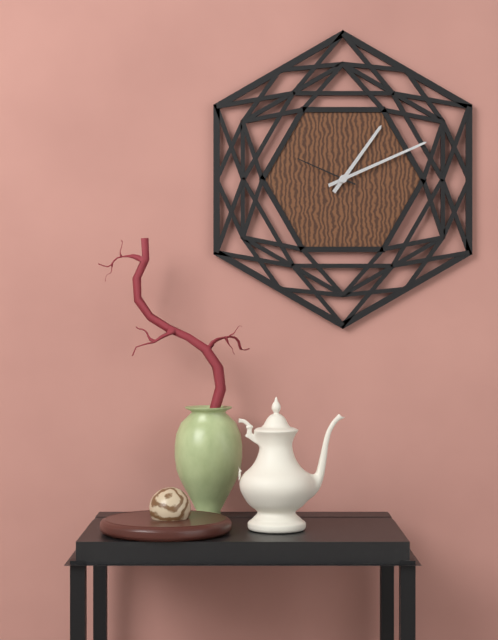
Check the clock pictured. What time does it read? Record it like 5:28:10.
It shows 1:11:49
